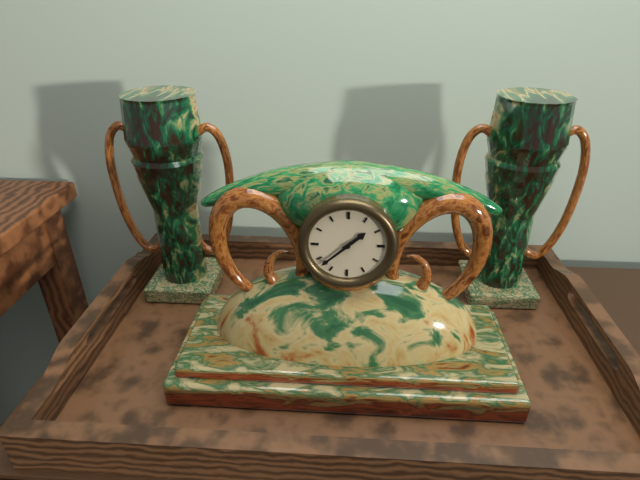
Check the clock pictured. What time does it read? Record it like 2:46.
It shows 1:38
